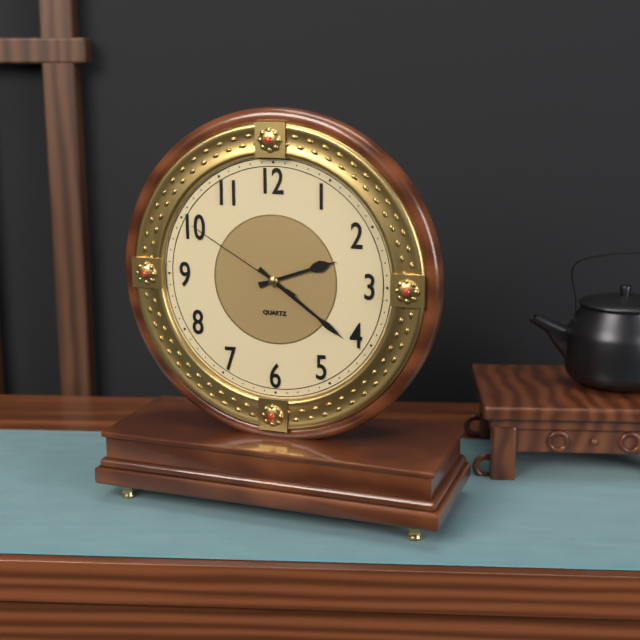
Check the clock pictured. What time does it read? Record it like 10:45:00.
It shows 2:21:50
